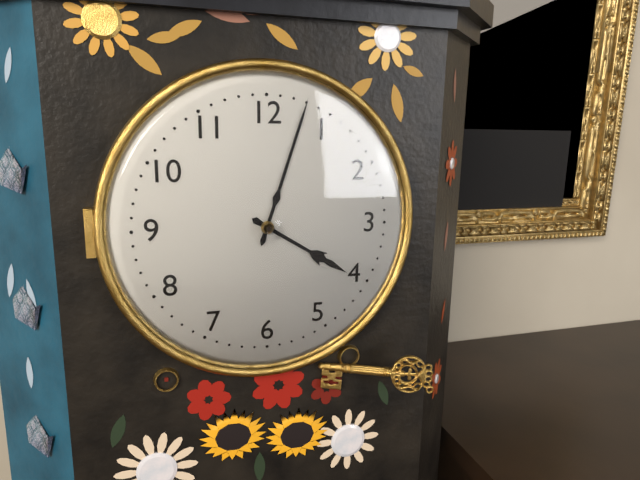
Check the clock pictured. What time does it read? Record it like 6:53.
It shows 4:03
